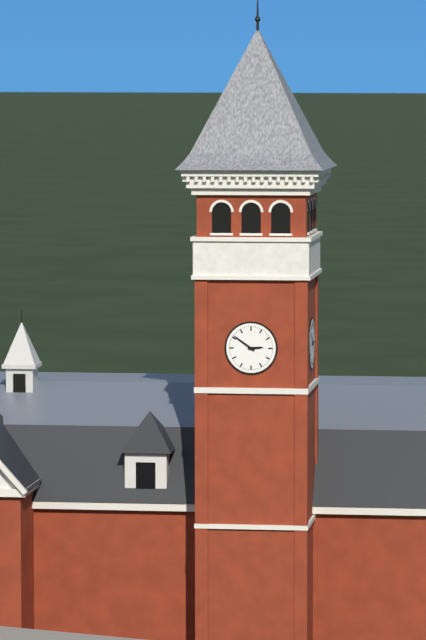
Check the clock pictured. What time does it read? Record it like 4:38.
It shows 2:51
